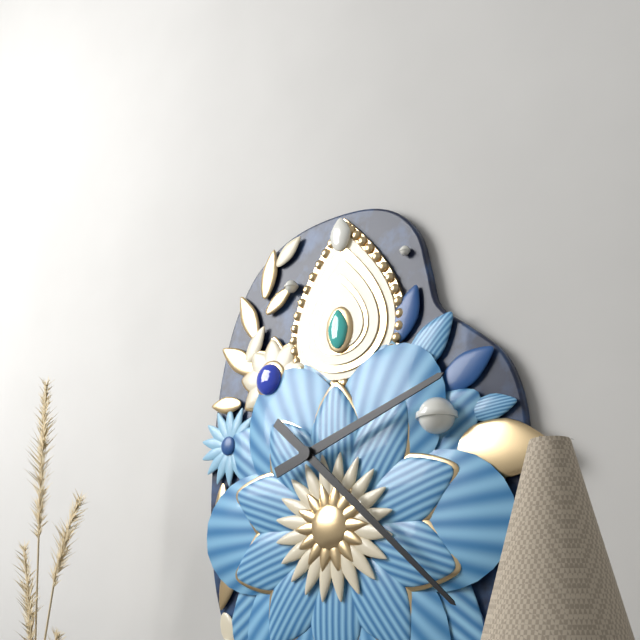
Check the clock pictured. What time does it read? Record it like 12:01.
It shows 2:22
